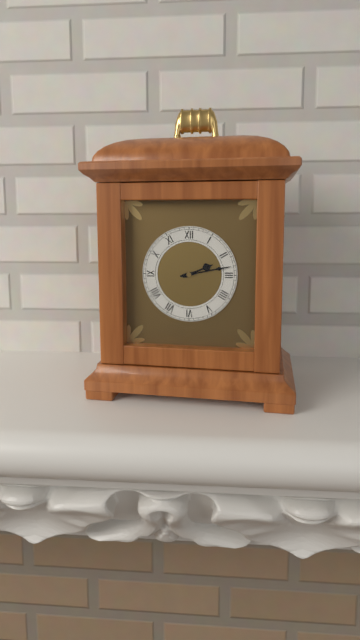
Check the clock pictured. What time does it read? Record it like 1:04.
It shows 2:13
